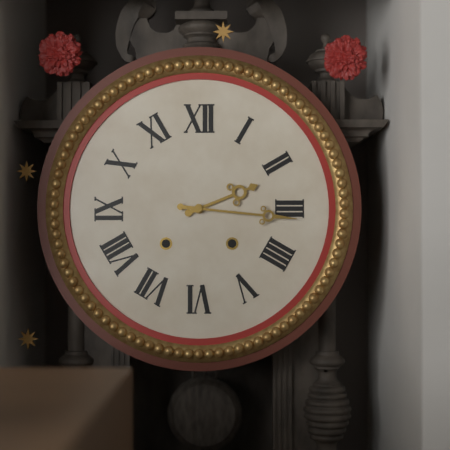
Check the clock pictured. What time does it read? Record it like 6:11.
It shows 2:16
